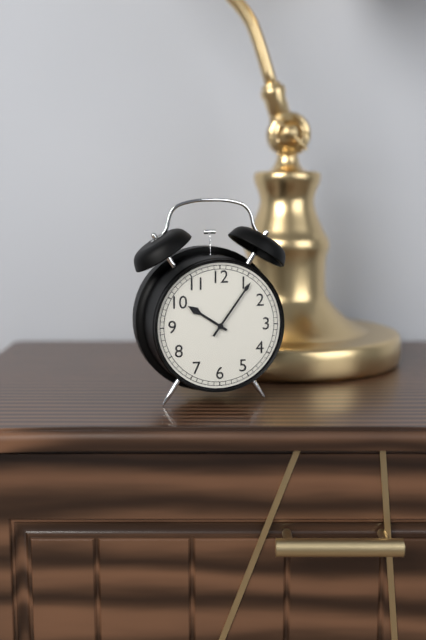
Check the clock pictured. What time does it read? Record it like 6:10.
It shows 10:06
